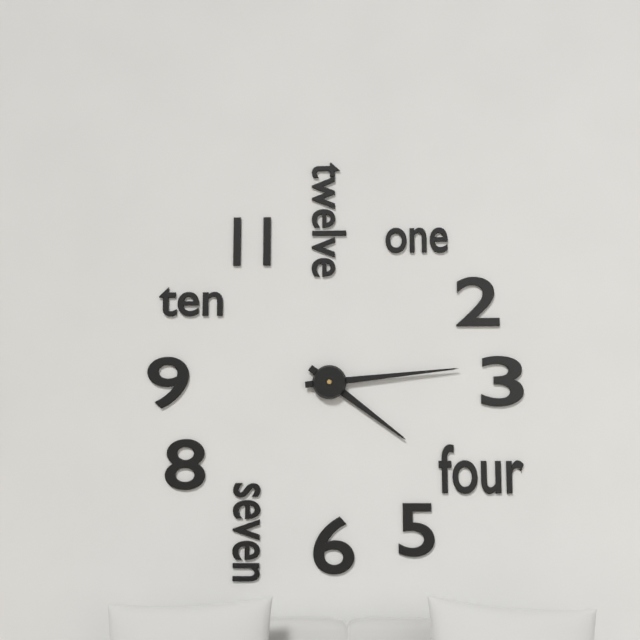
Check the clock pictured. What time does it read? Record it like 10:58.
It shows 4:14
